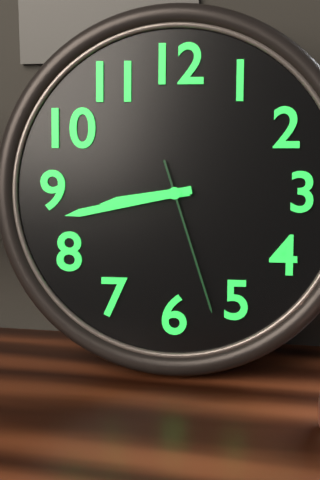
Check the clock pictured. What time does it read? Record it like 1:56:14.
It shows 8:43:27
